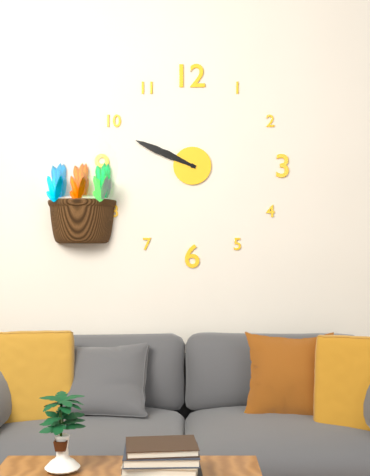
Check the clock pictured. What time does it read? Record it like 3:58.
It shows 9:49
